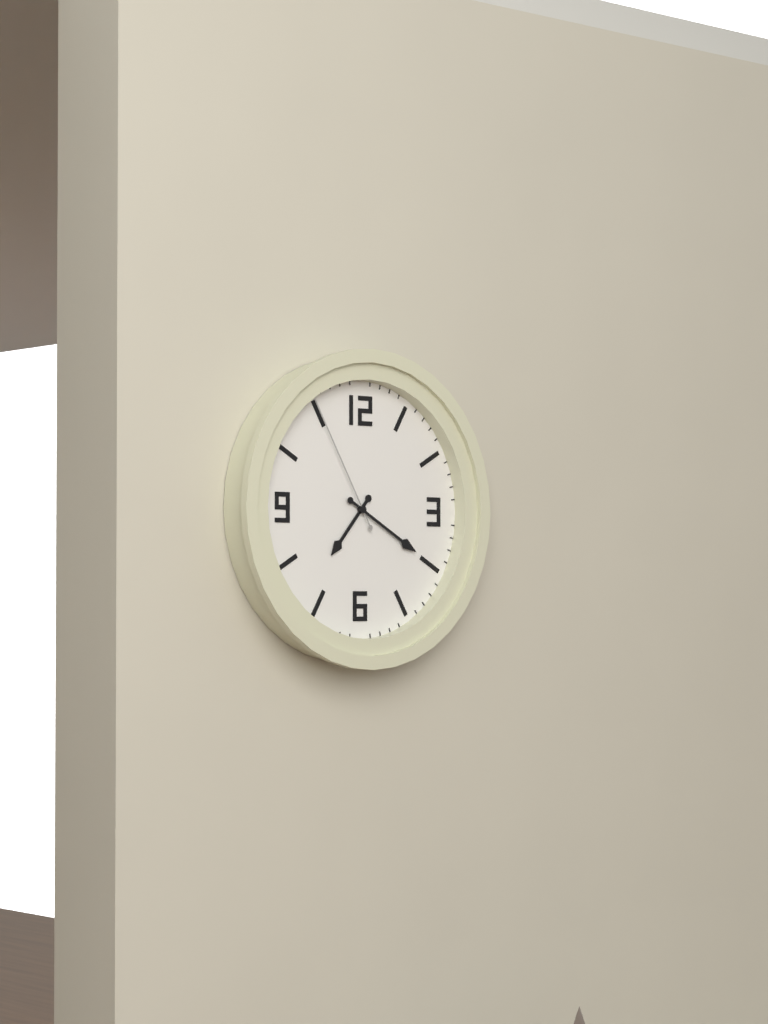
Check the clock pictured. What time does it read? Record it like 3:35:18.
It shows 7:20:55
